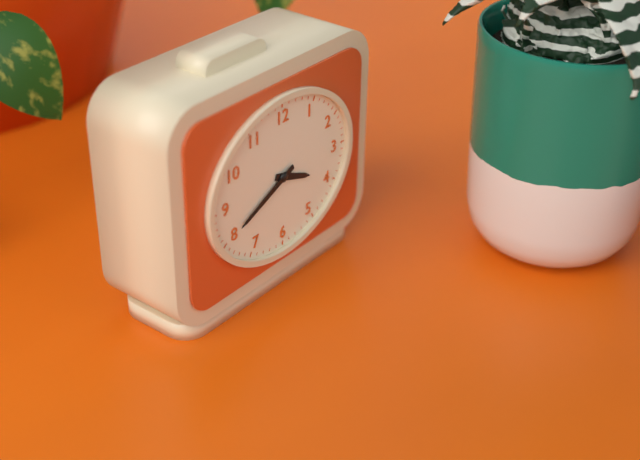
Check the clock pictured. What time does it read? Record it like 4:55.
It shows 3:41
